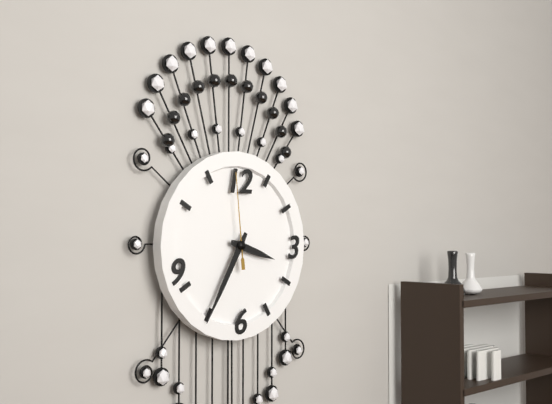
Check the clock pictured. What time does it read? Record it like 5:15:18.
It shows 3:35:59
